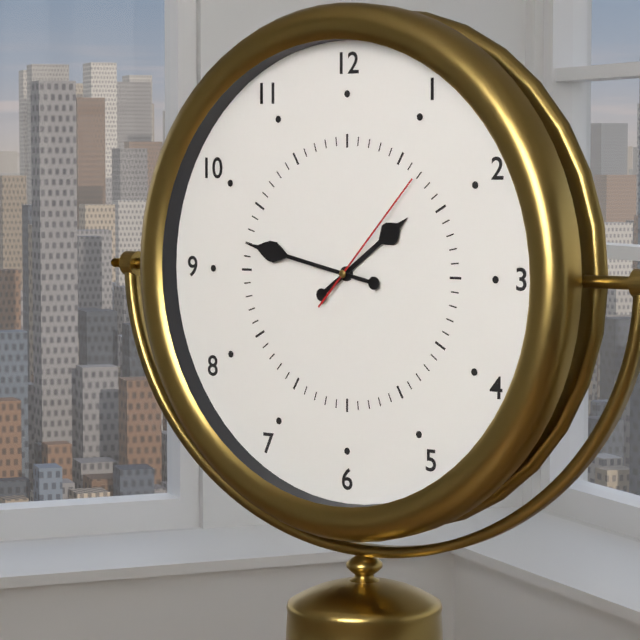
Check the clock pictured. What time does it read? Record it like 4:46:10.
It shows 1:47:07
